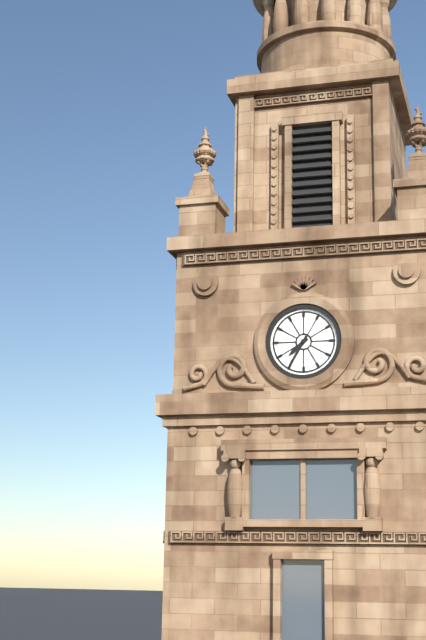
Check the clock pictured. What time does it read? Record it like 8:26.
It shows 7:35
